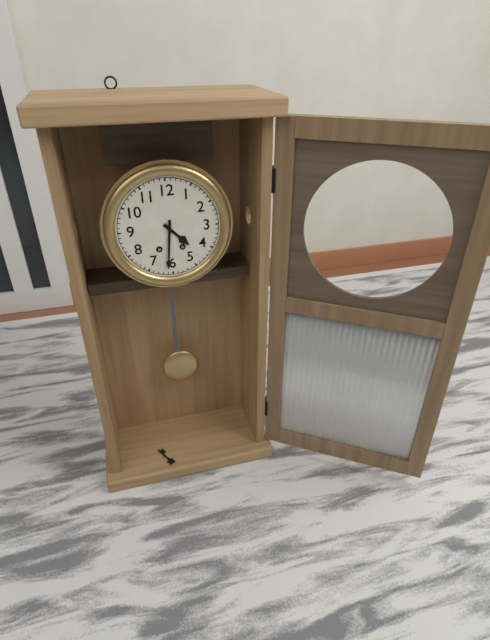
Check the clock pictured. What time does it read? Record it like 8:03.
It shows 4:31
